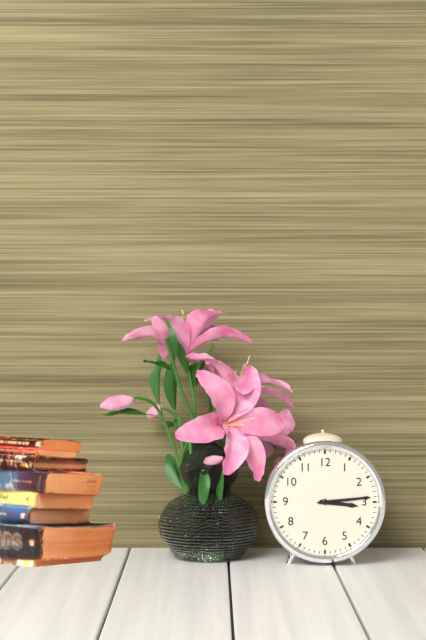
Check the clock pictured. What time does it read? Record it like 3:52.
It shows 3:14
